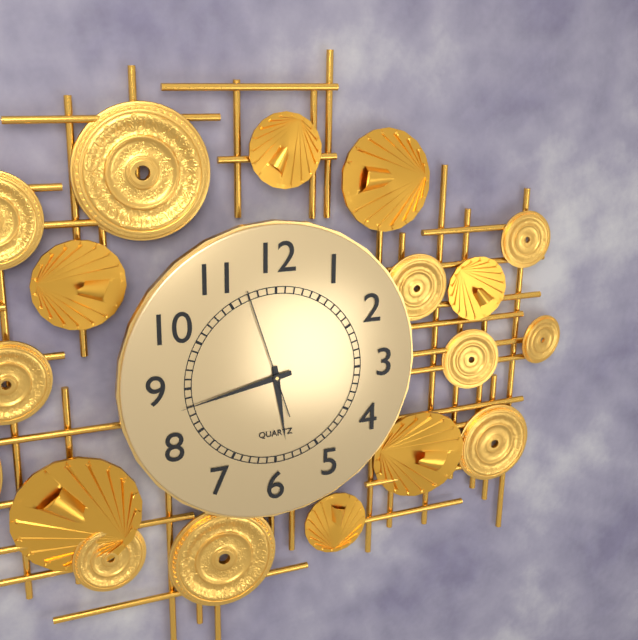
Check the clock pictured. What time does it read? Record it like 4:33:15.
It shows 5:43:57
